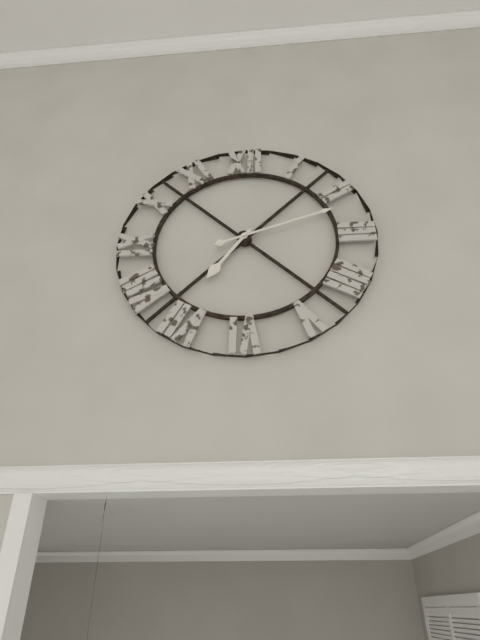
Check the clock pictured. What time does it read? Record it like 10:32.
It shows 7:12
